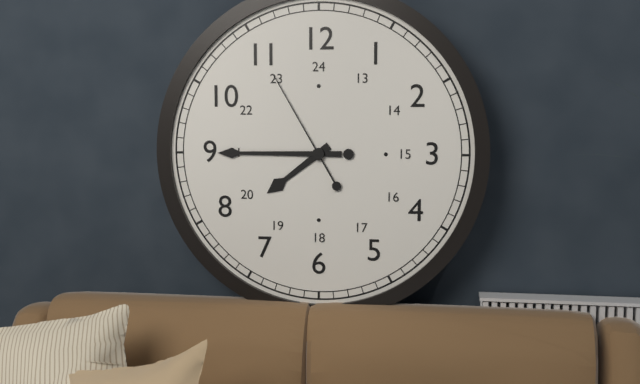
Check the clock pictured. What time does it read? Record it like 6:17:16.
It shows 7:45:55
